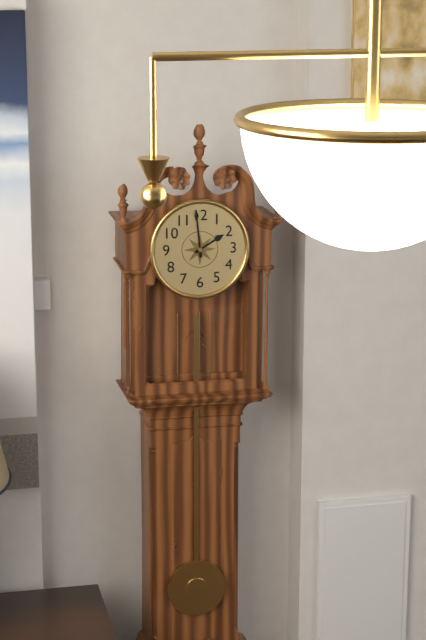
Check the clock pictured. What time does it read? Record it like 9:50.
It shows 1:59
